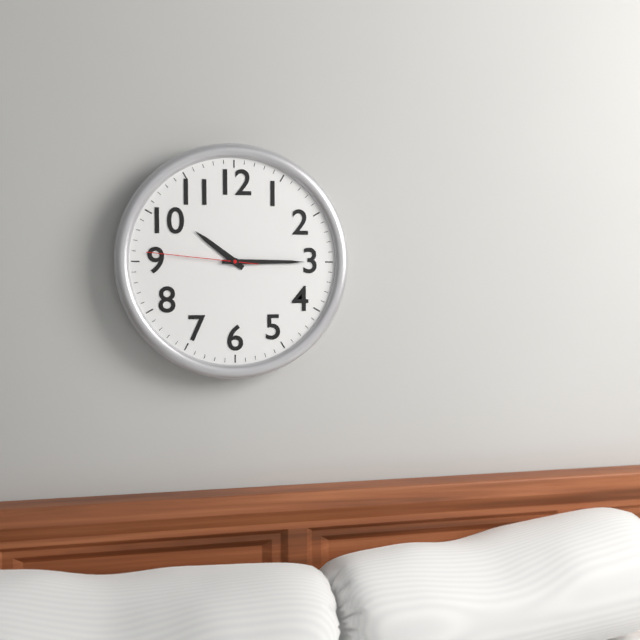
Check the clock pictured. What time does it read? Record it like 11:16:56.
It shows 10:15:46
